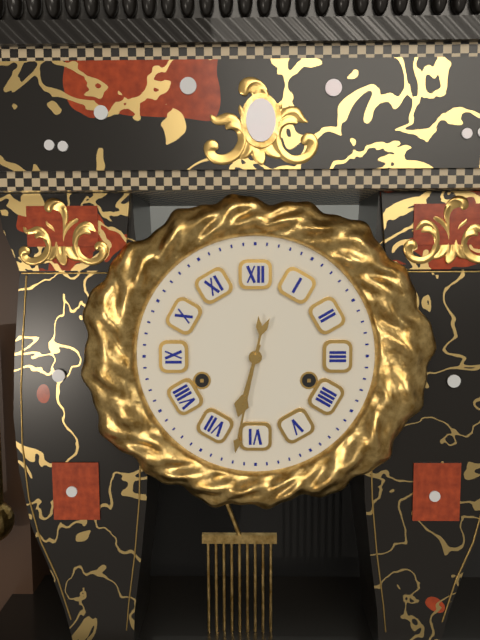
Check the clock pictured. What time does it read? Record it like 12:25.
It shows 6:32
